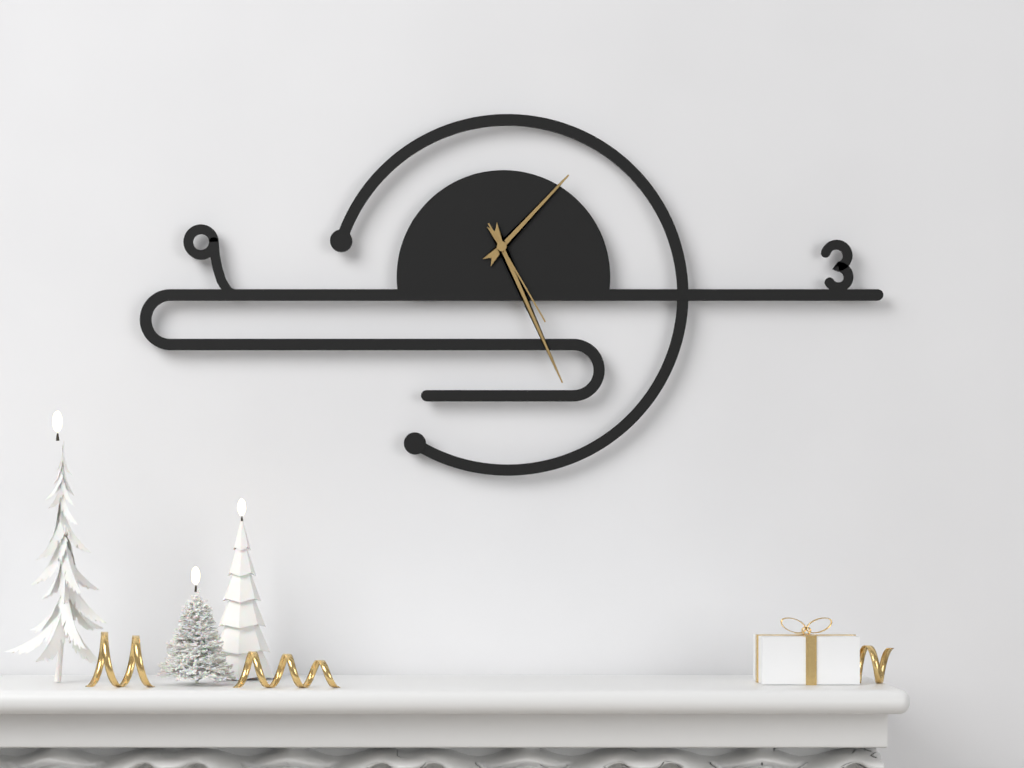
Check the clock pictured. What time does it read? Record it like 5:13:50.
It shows 1:26:25
